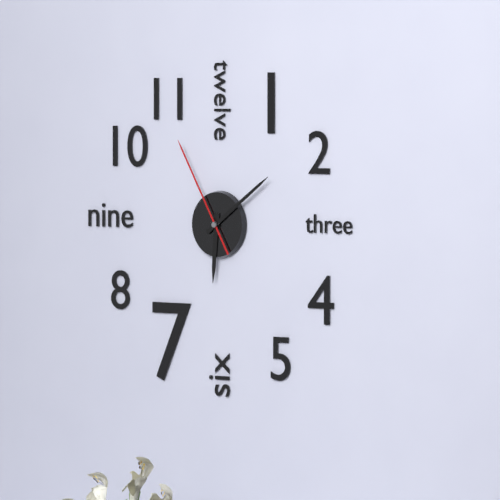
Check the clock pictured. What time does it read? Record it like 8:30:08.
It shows 6:09:55
